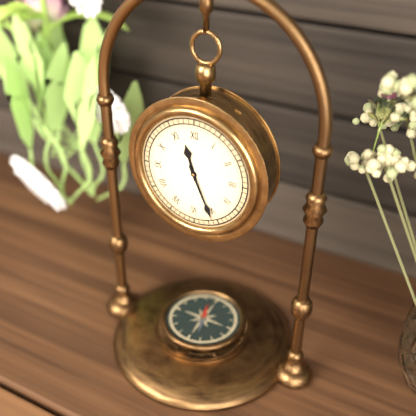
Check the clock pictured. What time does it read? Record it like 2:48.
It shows 11:26
